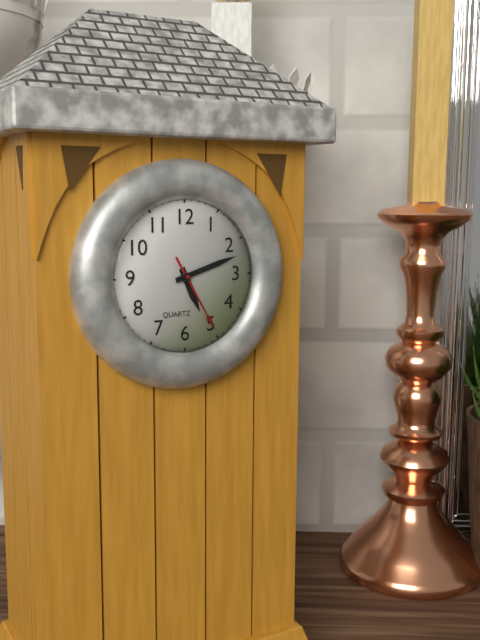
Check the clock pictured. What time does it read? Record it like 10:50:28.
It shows 5:12:25
